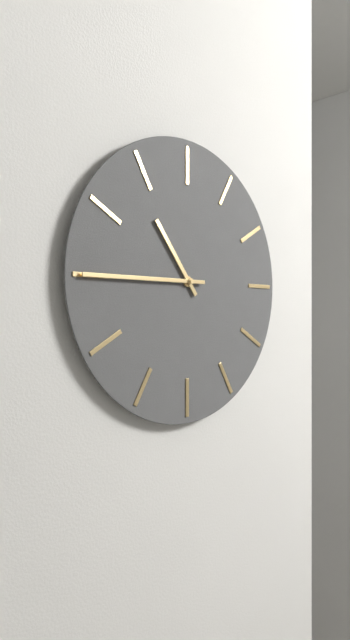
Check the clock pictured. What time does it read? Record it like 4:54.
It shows 10:45
